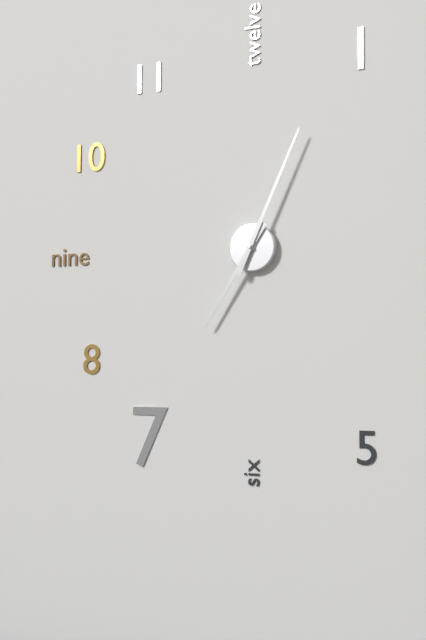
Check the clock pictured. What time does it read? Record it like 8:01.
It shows 7:04
